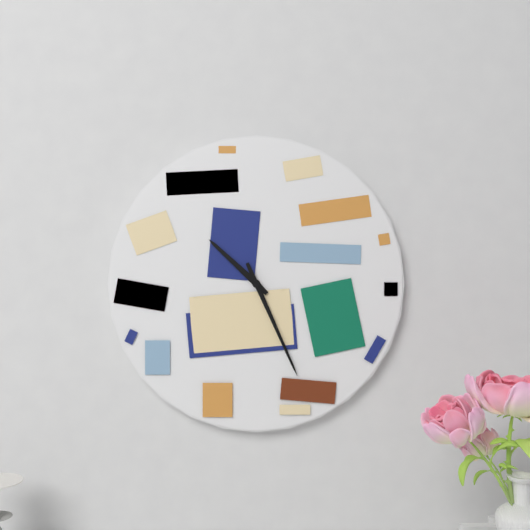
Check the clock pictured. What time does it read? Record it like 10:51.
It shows 10:26
